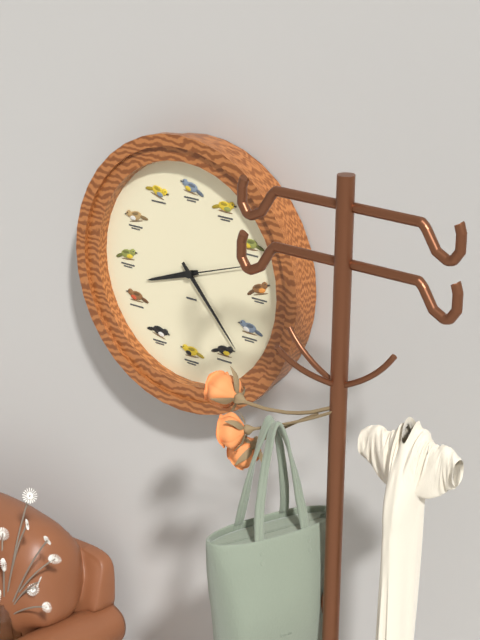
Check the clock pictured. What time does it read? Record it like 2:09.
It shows 8:23
